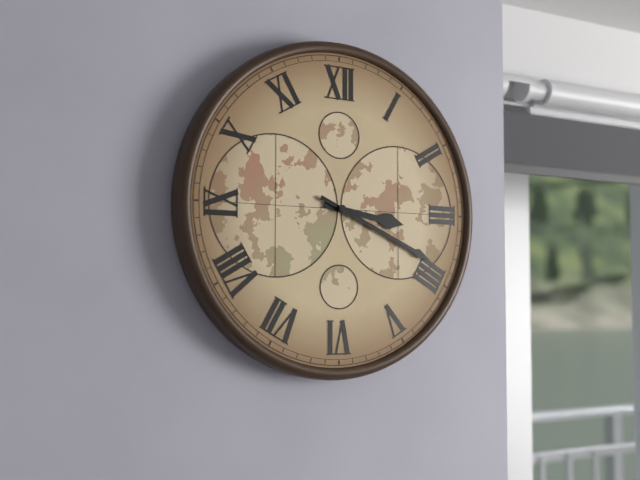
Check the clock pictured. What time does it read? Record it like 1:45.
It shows 3:19
